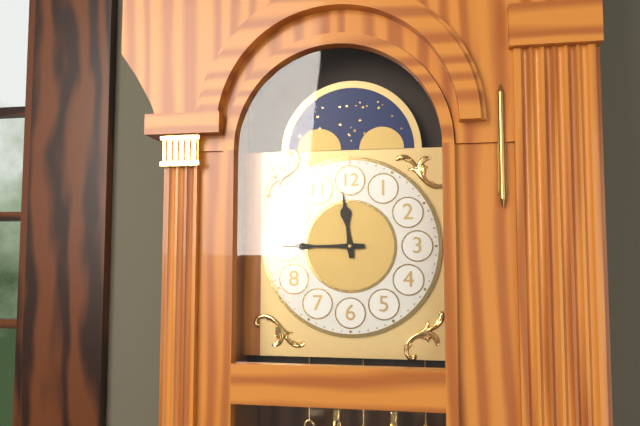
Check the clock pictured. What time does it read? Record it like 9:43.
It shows 11:45
